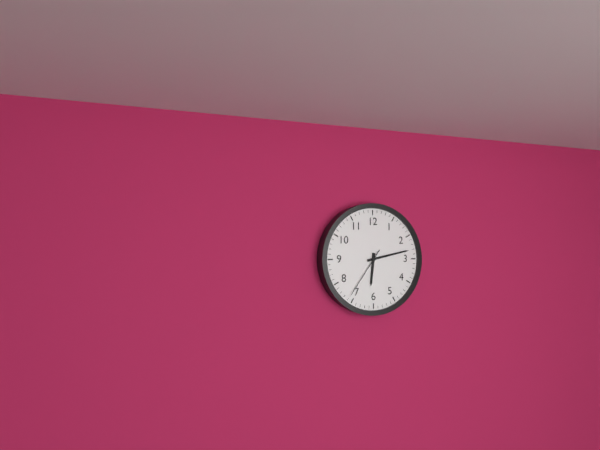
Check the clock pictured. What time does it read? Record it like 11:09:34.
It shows 6:13:36
